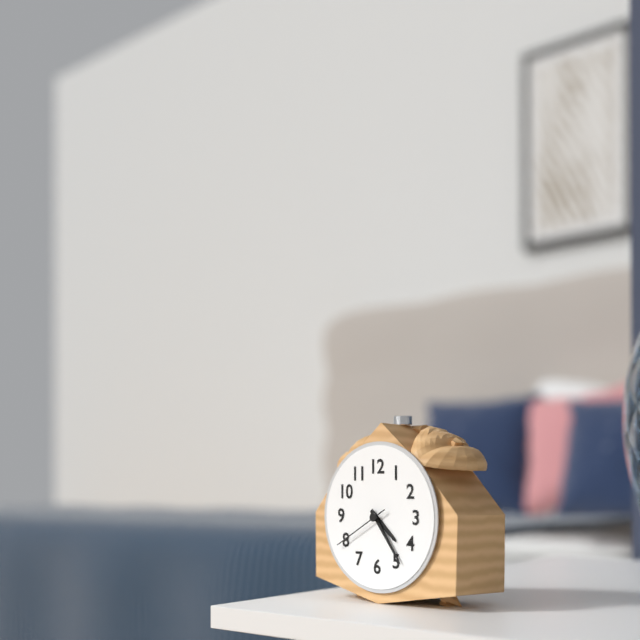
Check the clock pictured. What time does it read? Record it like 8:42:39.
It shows 4:24:40
